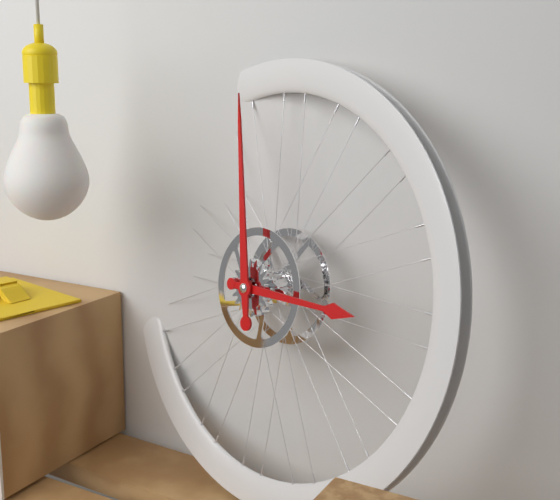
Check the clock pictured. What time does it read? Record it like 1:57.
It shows 2:58
